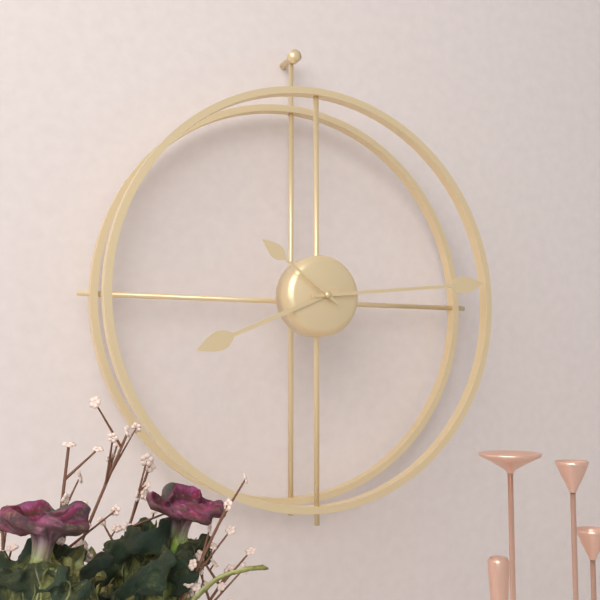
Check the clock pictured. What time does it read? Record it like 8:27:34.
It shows 8:14:51
